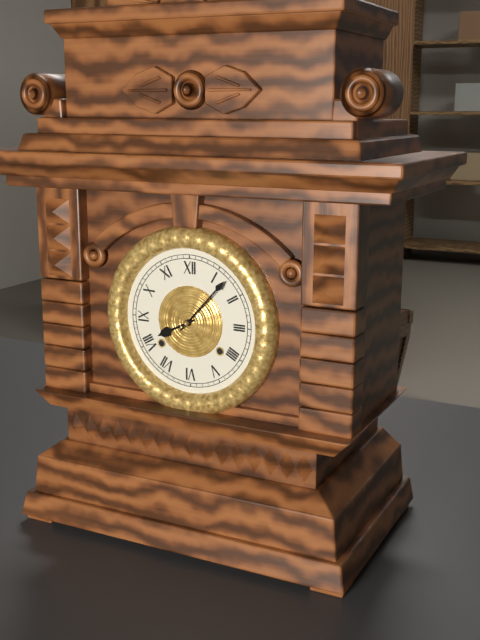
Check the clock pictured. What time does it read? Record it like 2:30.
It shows 8:07
